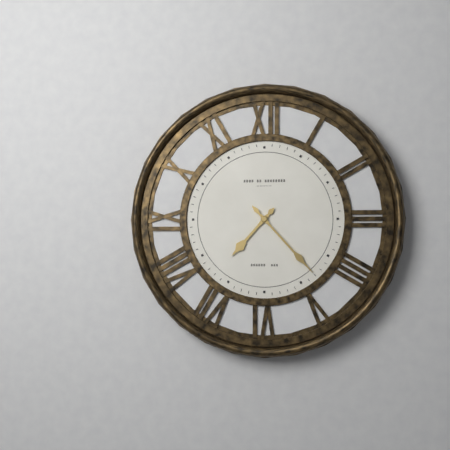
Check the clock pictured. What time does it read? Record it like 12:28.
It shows 7:23
